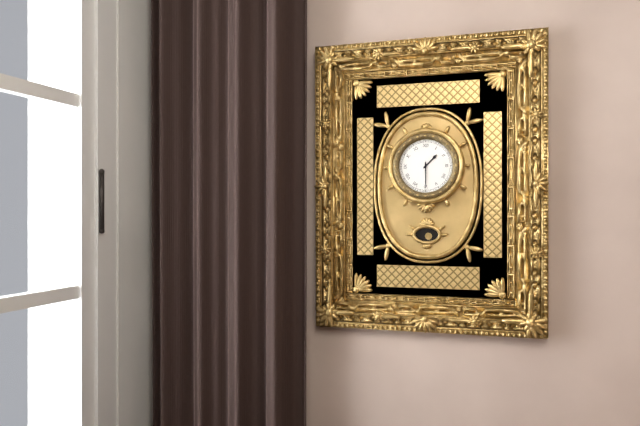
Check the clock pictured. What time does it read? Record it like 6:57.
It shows 1:30
